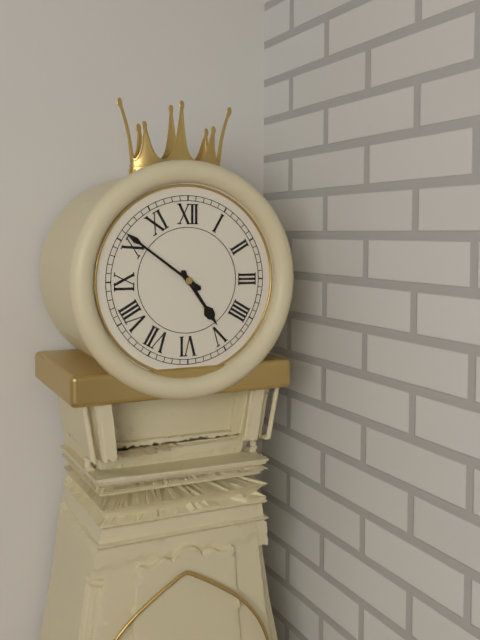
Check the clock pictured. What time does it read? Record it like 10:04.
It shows 4:51
